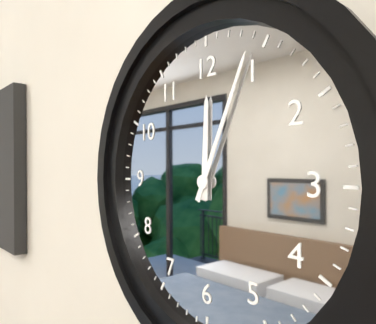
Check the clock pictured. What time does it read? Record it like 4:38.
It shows 12:04
